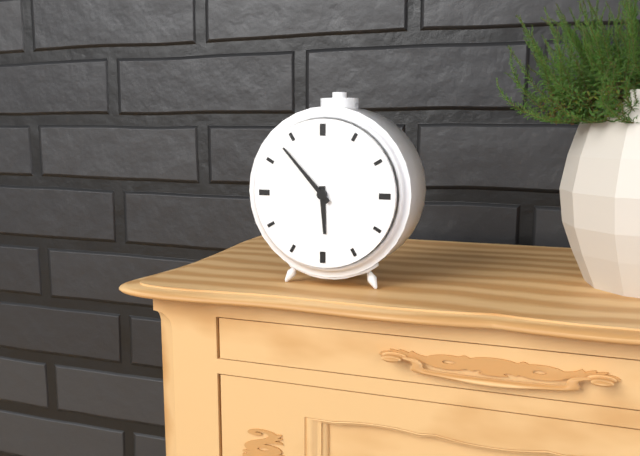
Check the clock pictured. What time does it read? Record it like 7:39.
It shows 5:53
